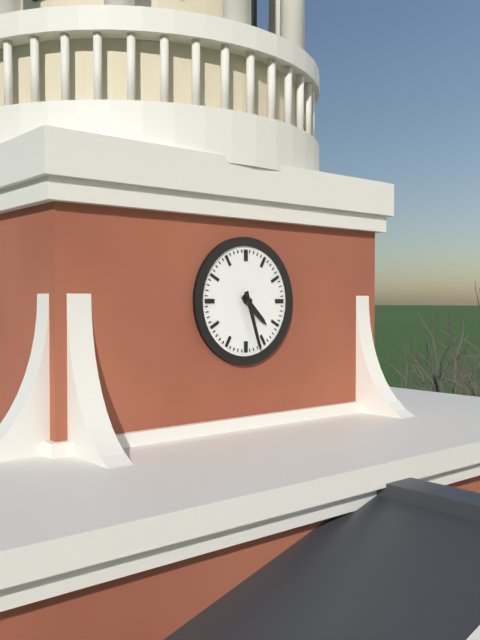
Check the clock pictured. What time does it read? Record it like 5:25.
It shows 4:27
